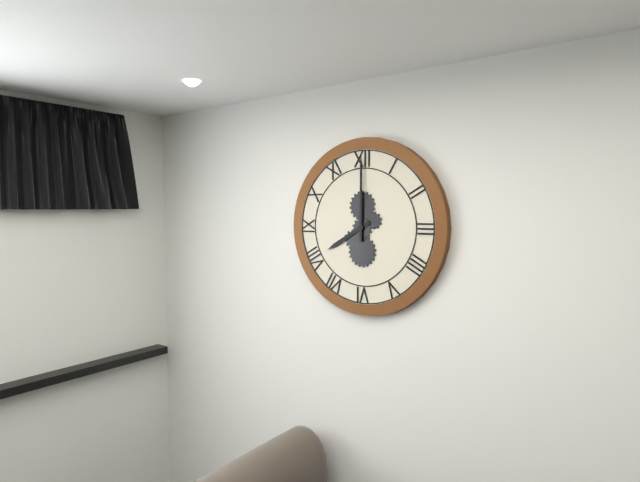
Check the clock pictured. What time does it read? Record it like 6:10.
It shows 8:00
